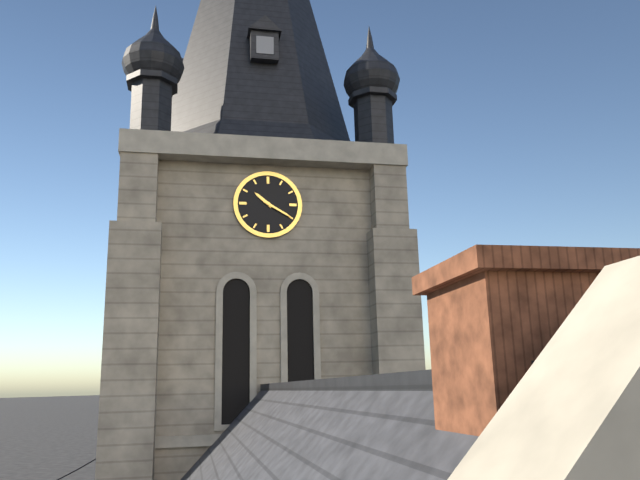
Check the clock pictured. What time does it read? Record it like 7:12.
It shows 10:20
